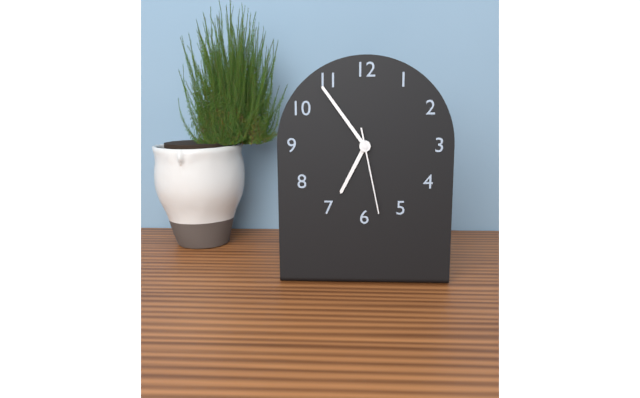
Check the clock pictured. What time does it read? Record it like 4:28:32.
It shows 6:54:28
